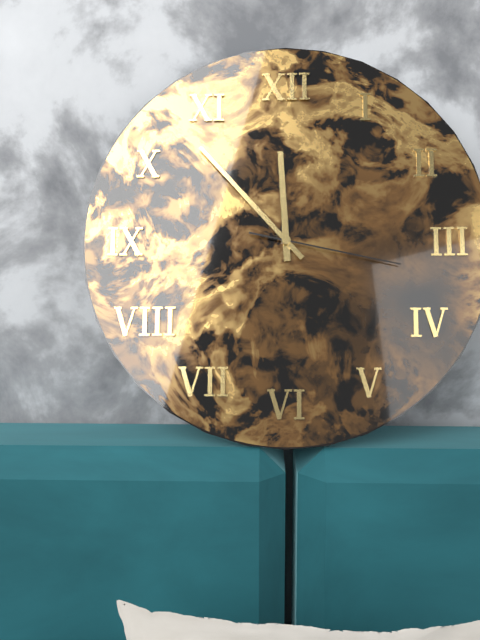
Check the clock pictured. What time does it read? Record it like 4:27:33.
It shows 11:53:17
